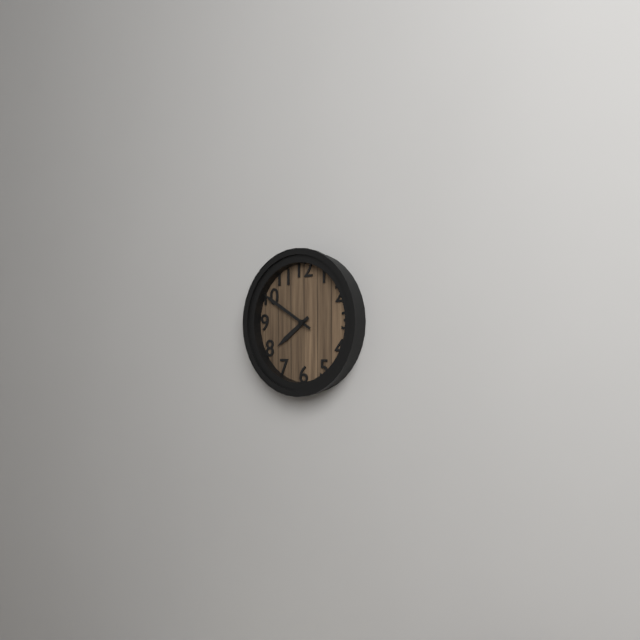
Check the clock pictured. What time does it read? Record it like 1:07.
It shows 7:50
